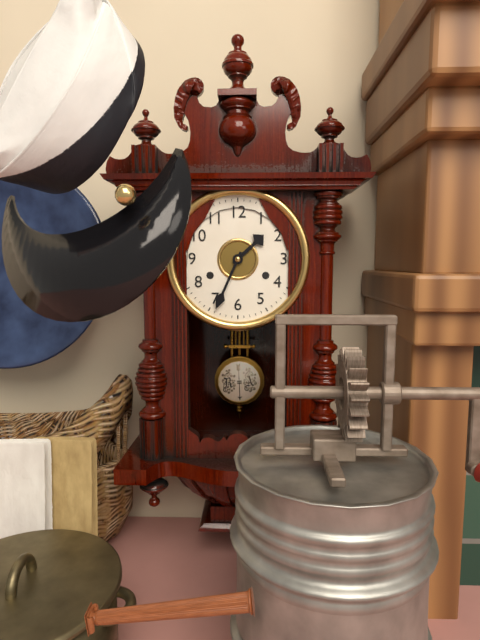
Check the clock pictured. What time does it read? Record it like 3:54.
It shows 1:34
